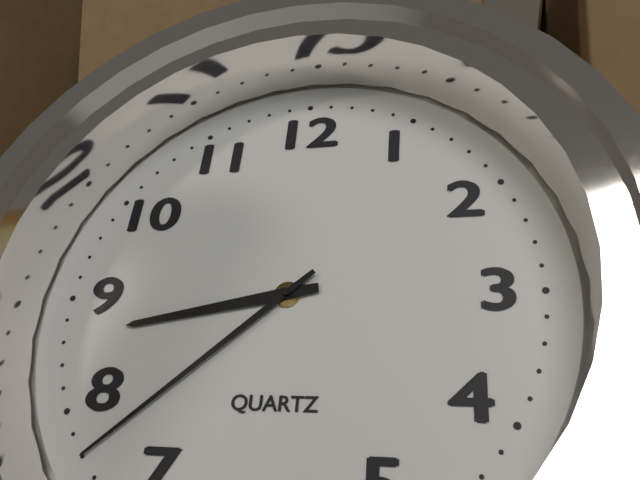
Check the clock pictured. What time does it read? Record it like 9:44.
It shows 8:38
